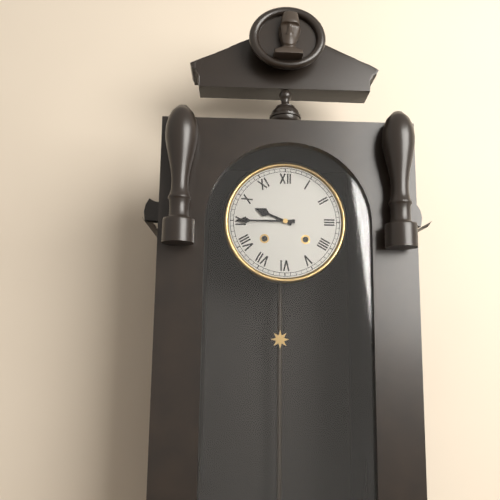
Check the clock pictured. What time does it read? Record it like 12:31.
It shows 9:45
